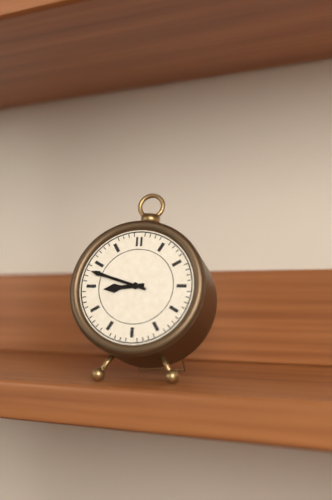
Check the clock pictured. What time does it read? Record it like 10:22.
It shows 8:48
